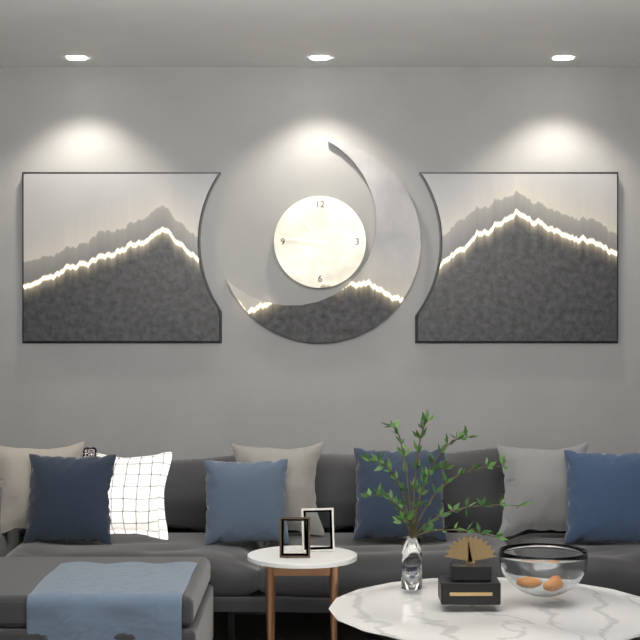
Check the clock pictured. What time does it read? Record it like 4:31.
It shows 10:46
